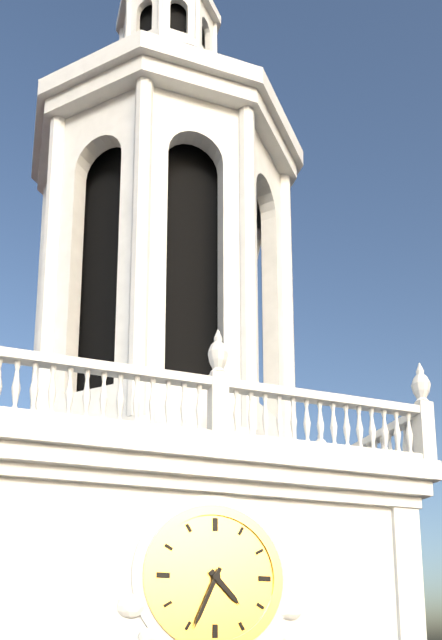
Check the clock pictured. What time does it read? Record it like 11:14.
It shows 4:34
